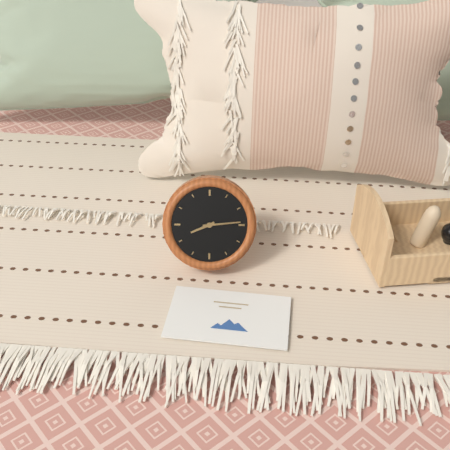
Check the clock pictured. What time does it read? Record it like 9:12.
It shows 8:14
